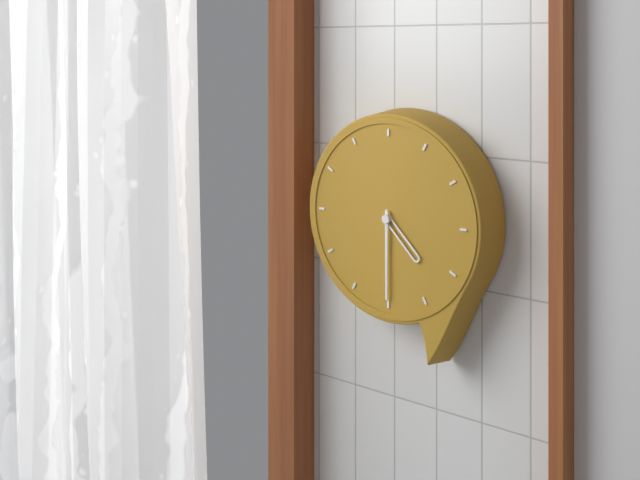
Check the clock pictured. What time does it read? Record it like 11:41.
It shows 4:30
